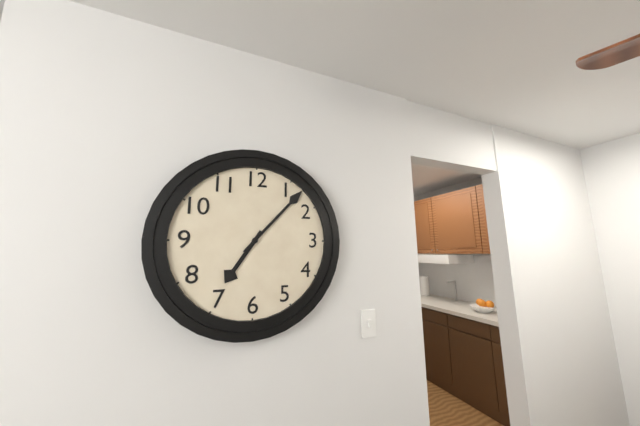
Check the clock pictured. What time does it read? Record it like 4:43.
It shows 7:07
